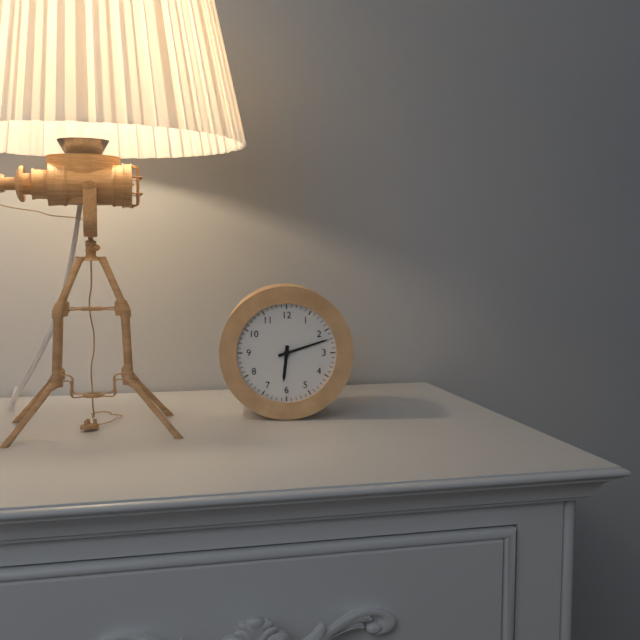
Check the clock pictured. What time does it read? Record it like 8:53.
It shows 6:12
